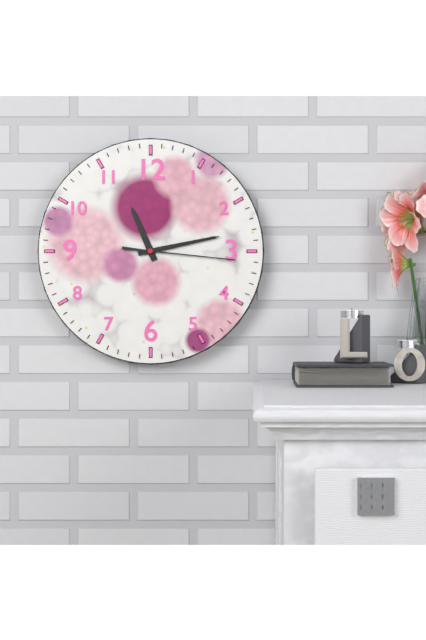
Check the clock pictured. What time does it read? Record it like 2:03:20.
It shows 11:13:16
